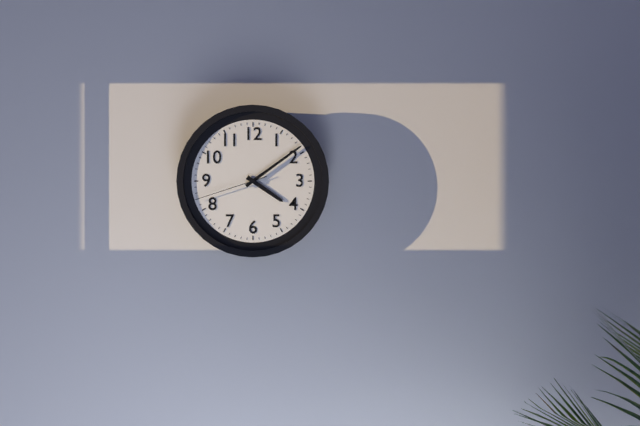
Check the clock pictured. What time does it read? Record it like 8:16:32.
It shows 4:09:42
